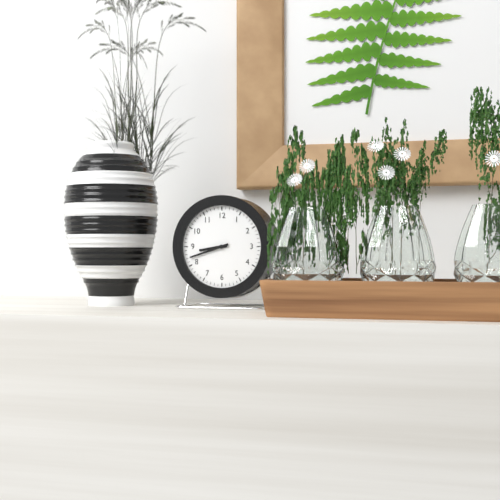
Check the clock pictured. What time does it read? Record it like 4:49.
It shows 8:42
